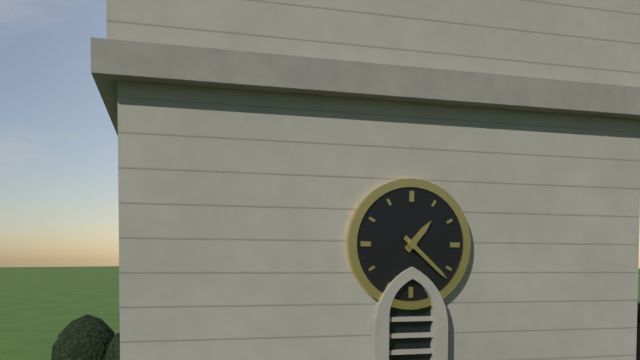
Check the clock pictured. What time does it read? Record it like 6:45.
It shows 1:22
